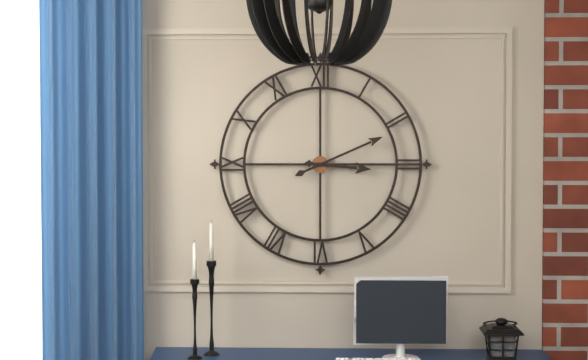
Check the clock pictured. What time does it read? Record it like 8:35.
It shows 3:11
